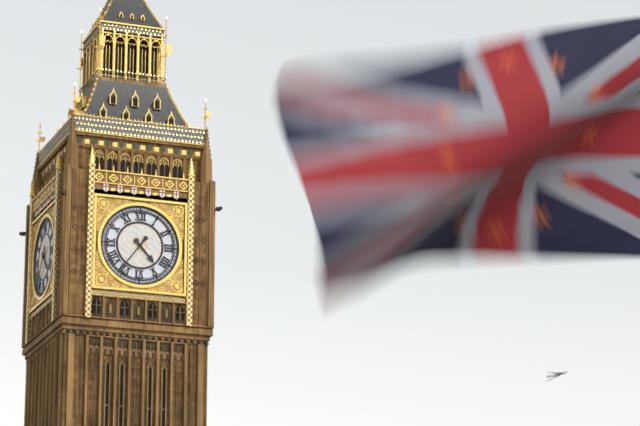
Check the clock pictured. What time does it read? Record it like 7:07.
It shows 4:36
